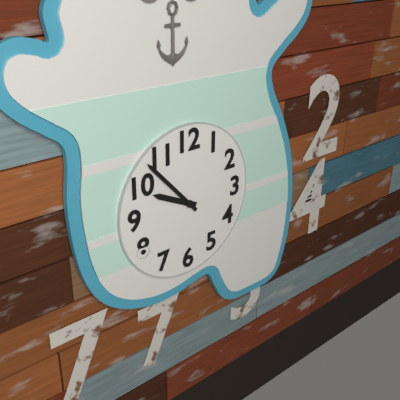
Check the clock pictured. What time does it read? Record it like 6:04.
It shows 9:53
